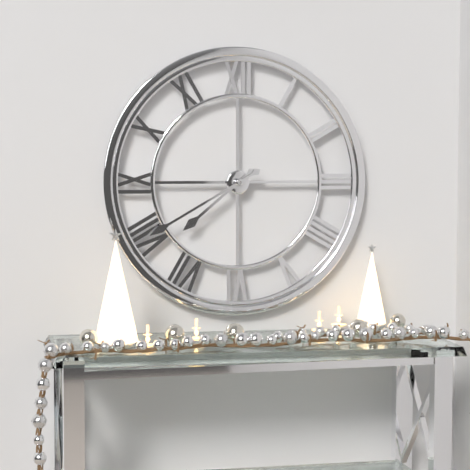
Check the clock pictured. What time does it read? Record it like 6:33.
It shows 7:40
